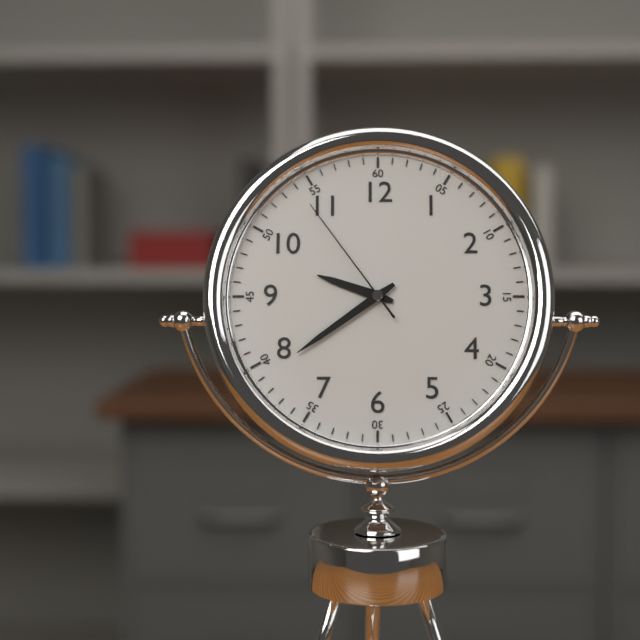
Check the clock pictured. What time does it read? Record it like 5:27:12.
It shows 9:39:54
